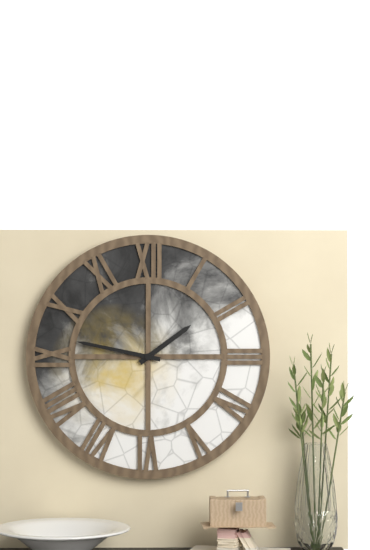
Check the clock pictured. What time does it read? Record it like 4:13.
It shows 1:47
